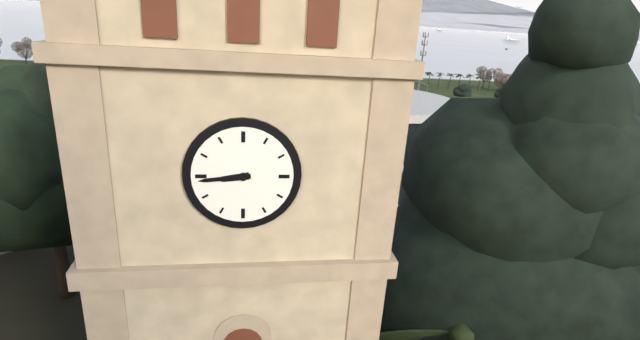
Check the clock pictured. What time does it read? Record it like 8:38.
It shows 8:44
